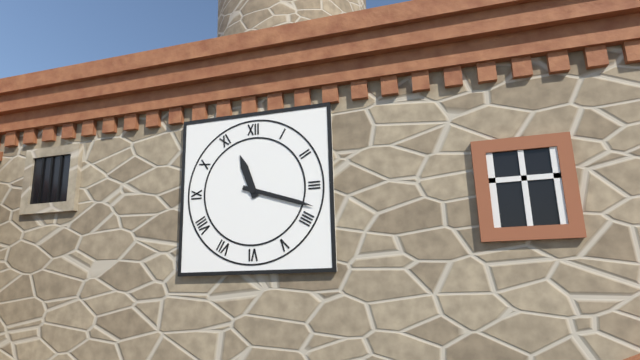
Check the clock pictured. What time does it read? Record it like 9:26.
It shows 11:18
